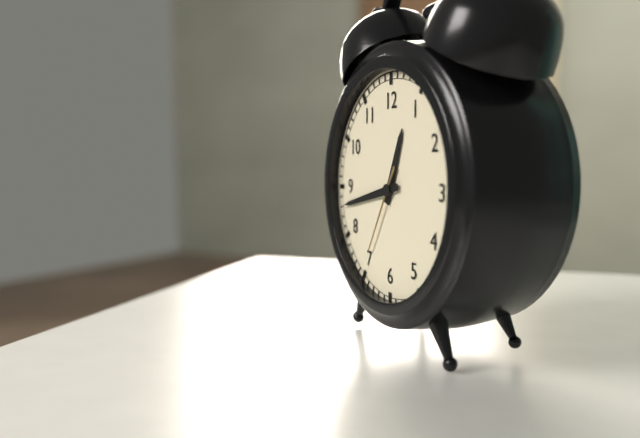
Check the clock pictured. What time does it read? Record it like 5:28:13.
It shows 12:43:35
